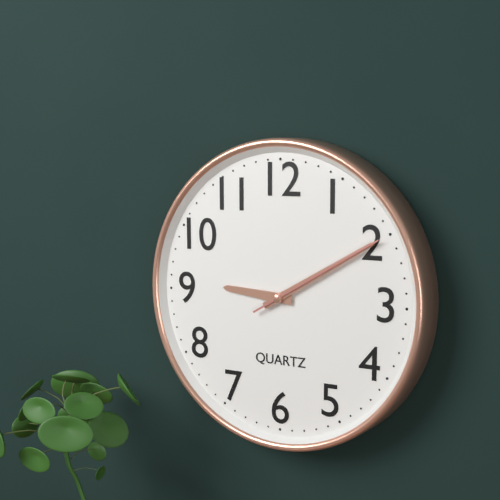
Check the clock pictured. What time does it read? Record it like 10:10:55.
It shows 9:10:10
